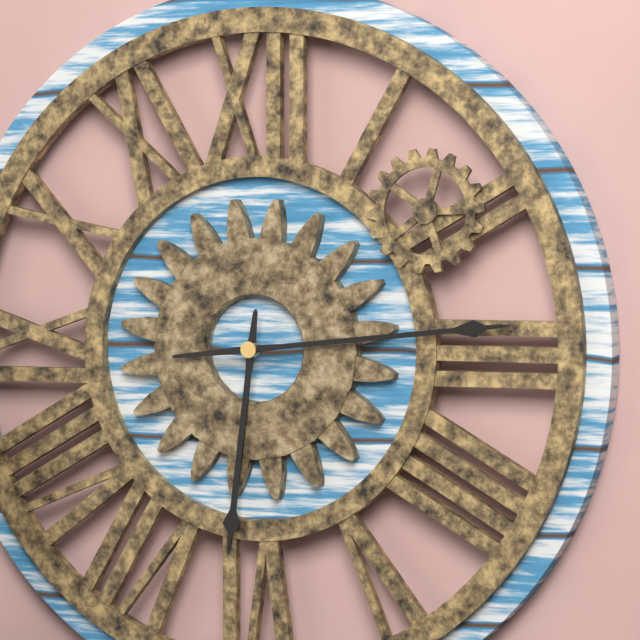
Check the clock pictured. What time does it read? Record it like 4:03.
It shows 6:14
